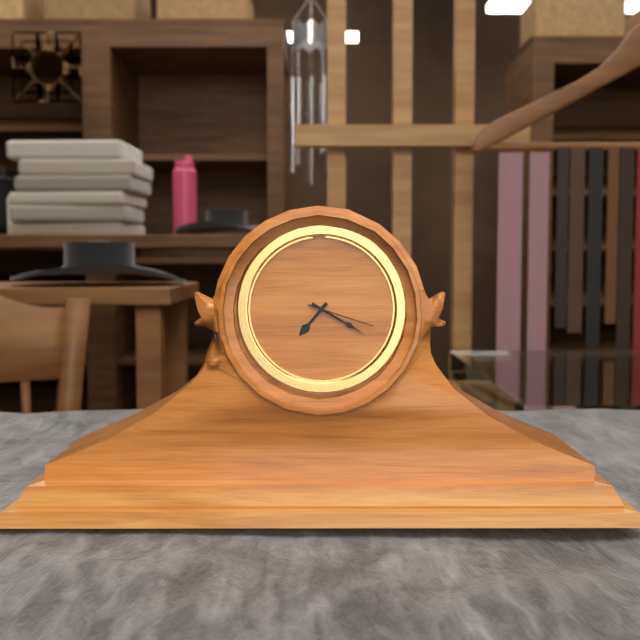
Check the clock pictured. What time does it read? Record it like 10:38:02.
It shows 7:20:18
